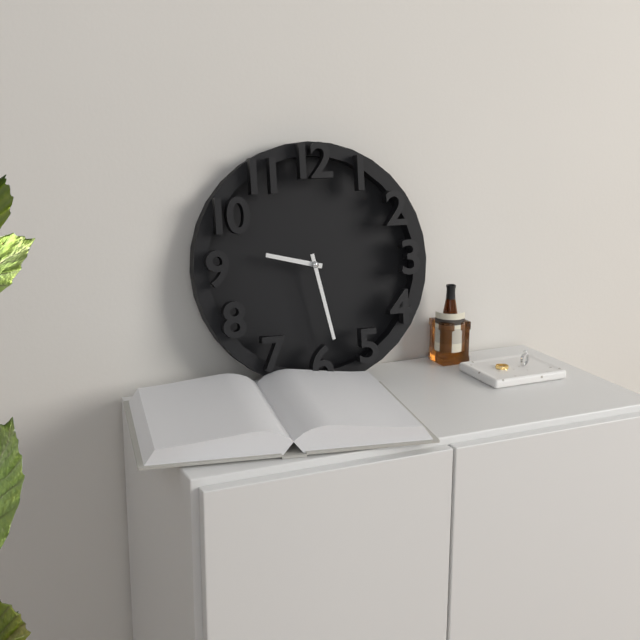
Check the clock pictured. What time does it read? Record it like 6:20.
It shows 9:28
